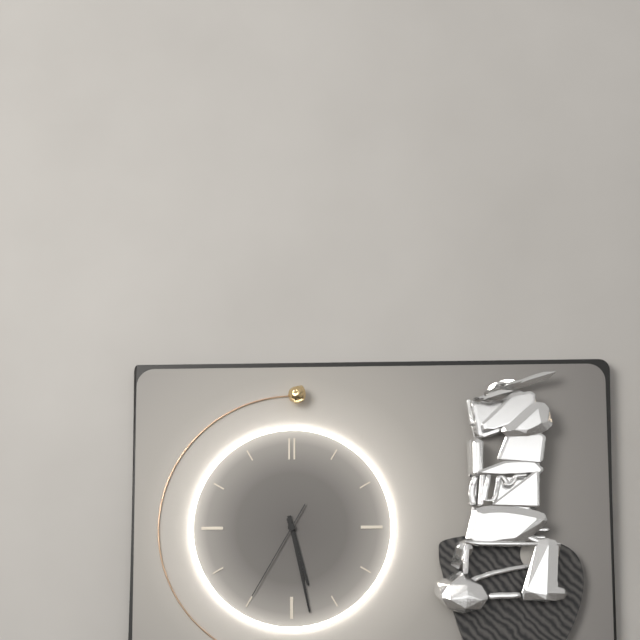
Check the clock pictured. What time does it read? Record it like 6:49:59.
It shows 5:28:35
